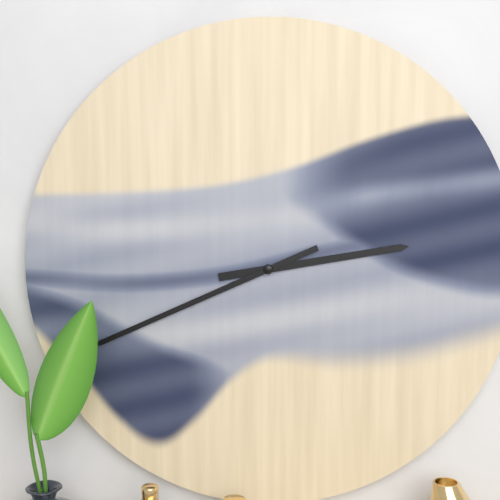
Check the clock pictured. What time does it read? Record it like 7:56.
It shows 2:41
